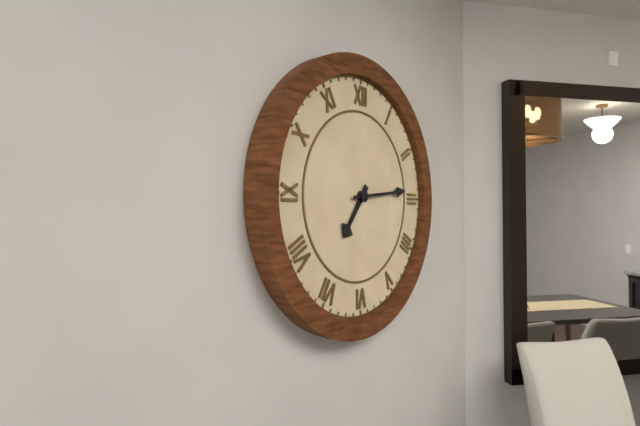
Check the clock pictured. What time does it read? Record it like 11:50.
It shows 7:14
